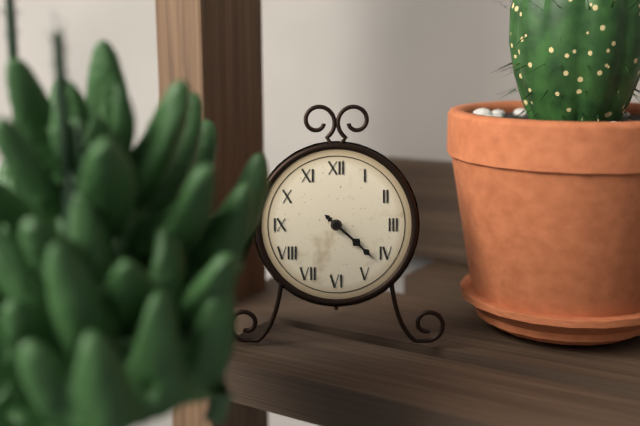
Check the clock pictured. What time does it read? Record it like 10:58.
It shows 4:22
